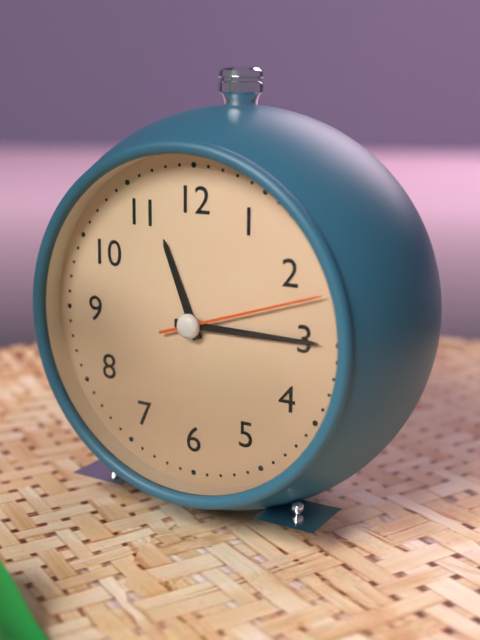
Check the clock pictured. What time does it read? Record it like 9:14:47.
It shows 11:15:12
